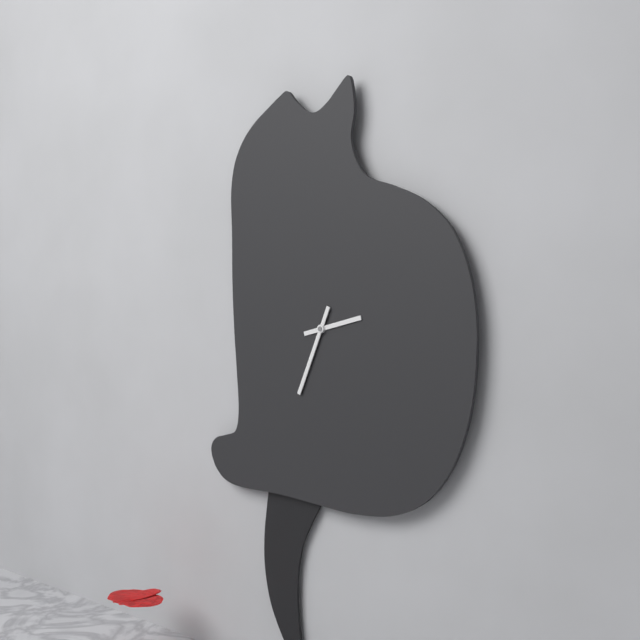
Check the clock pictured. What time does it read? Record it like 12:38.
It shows 2:34
